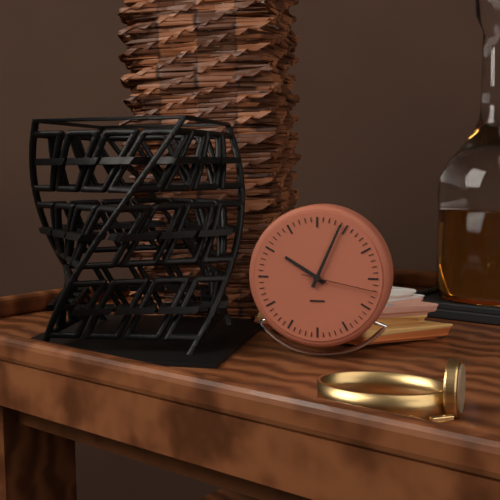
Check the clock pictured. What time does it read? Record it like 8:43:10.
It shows 10:04:17
